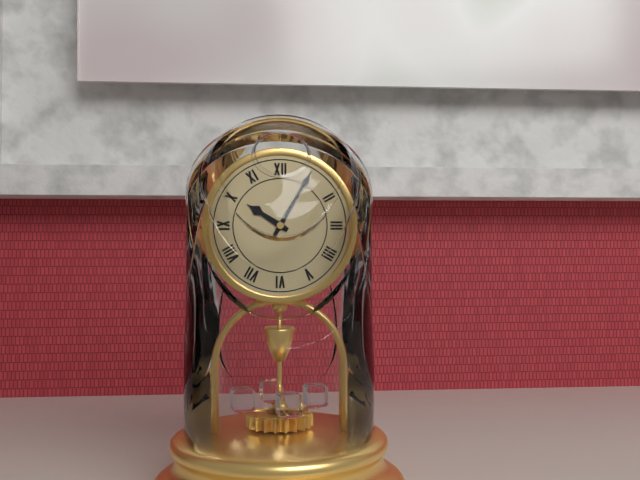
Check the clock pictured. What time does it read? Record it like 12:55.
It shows 10:05
